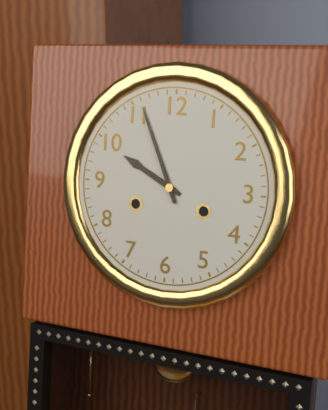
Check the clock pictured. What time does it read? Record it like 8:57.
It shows 9:56
